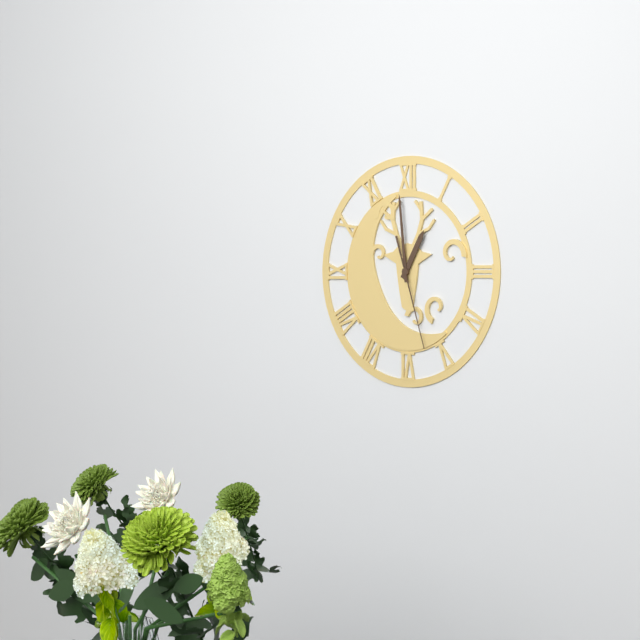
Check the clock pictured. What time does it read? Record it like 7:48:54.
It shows 12:59:27
